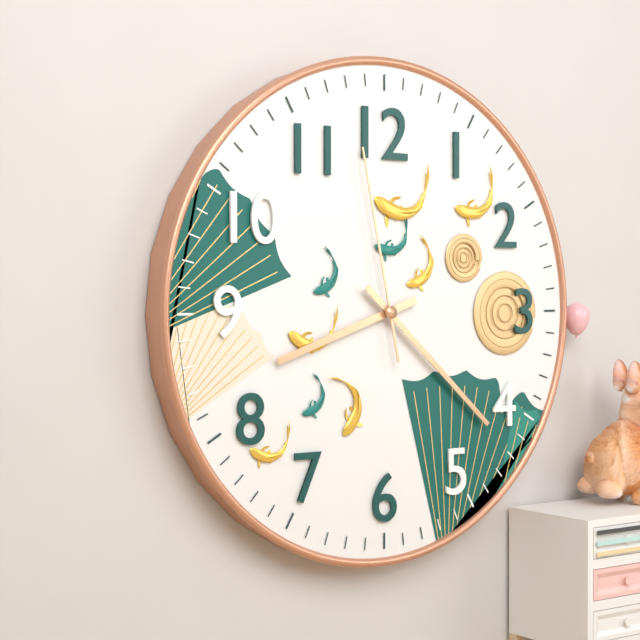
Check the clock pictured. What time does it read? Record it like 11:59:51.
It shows 8:22:58
